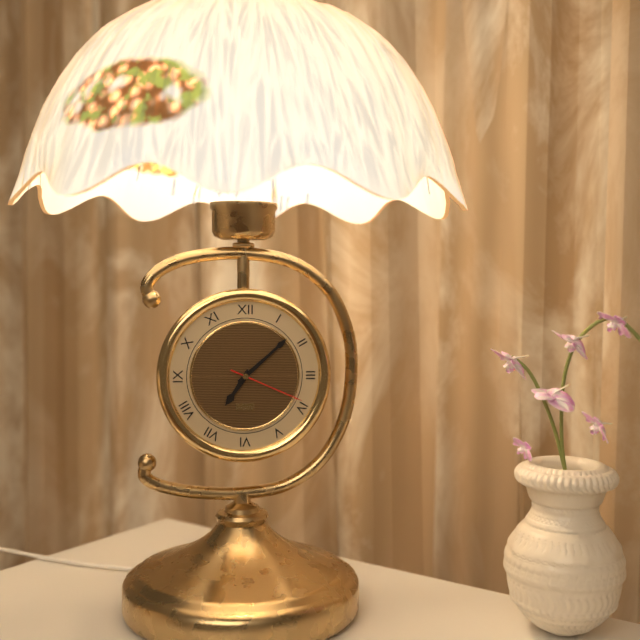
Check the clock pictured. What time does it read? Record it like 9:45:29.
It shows 7:08:19
